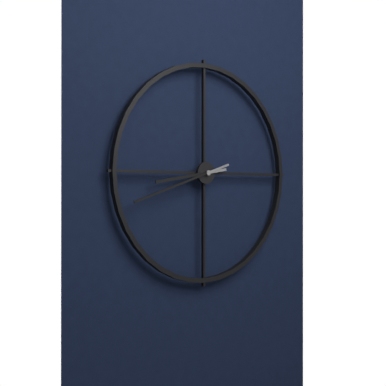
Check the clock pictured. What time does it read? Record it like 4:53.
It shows 8:42
